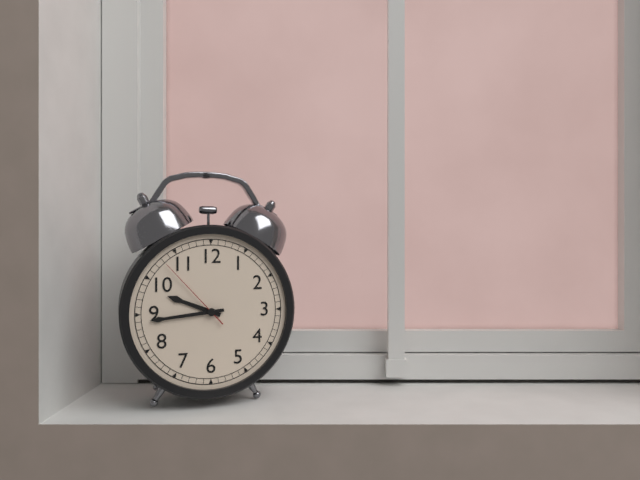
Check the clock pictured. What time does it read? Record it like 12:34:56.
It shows 9:44:53
